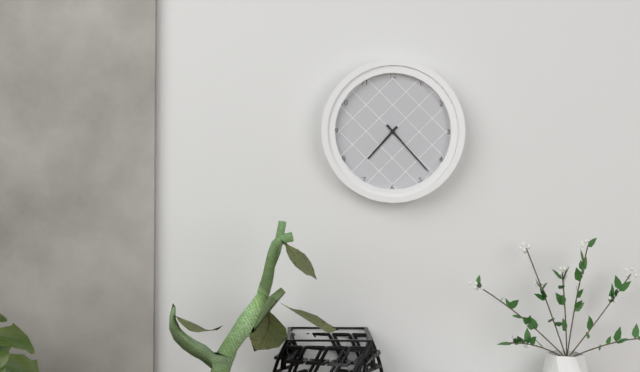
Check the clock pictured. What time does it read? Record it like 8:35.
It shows 7:23
